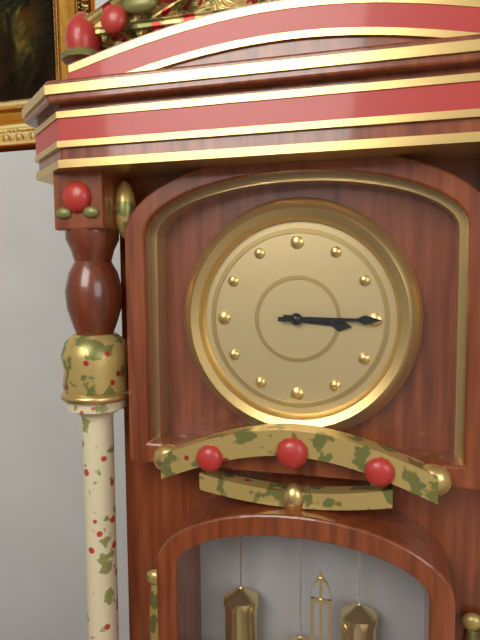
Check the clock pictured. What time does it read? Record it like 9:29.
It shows 3:15
